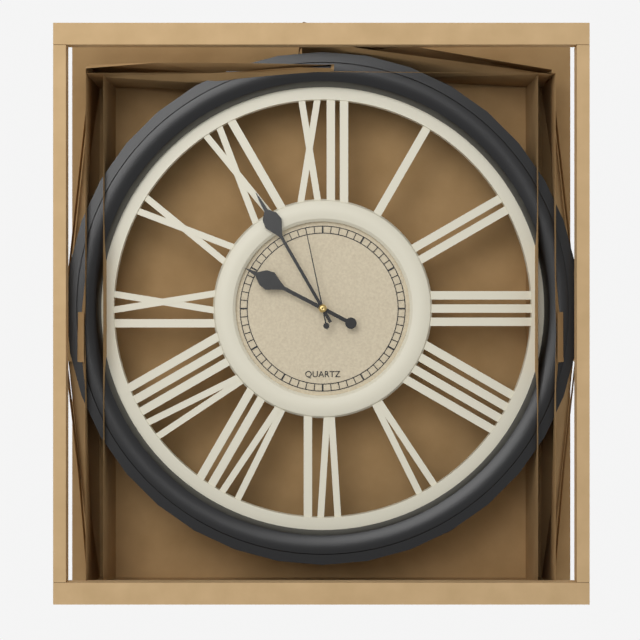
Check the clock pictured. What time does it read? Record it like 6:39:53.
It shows 9:55:58
